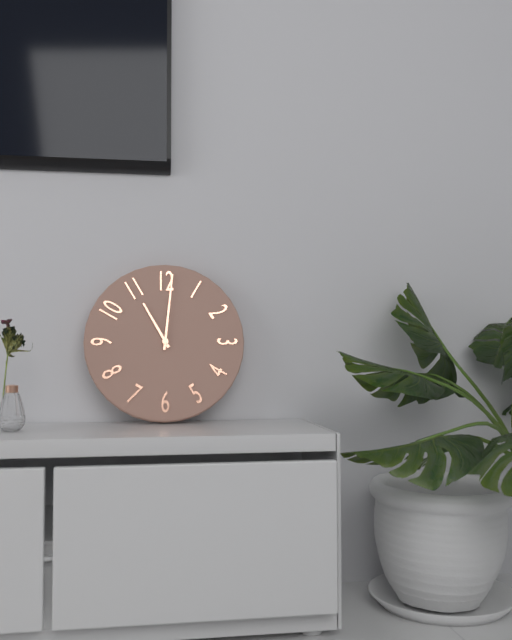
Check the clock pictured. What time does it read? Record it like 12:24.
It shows 11:01
